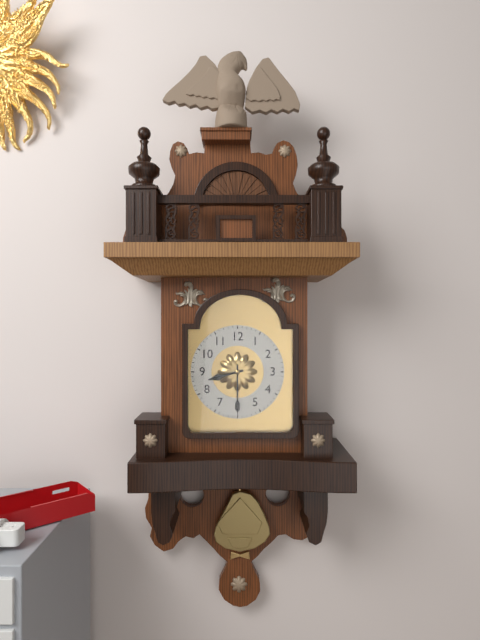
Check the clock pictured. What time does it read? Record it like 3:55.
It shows 8:30
